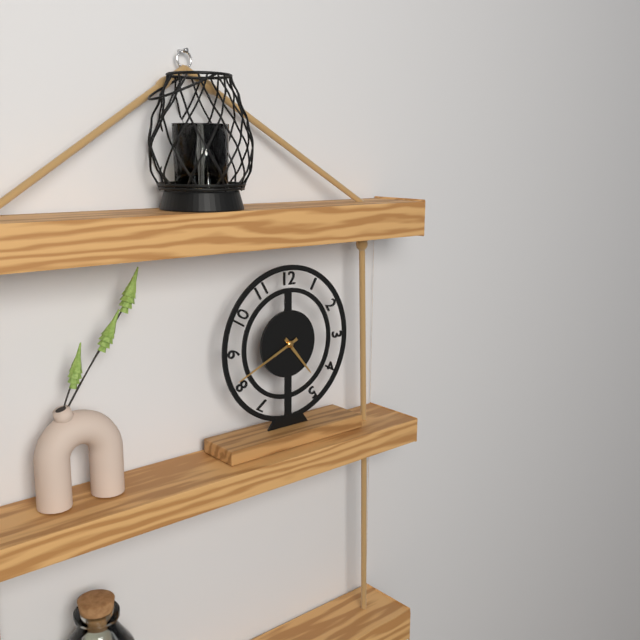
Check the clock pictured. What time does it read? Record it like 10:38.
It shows 4:41
